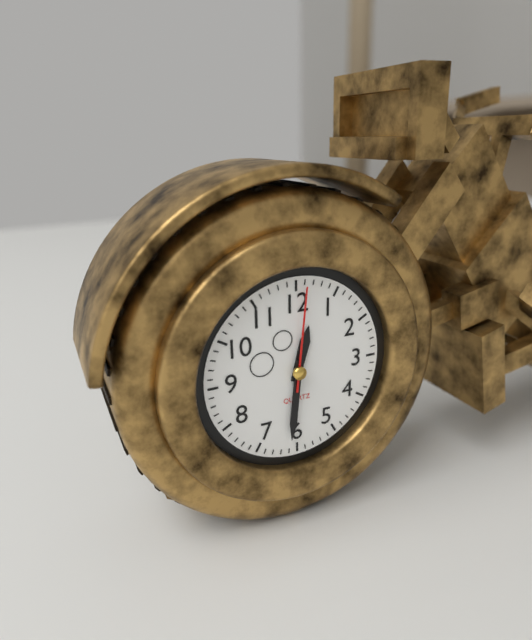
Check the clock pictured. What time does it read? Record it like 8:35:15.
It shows 12:31:01
